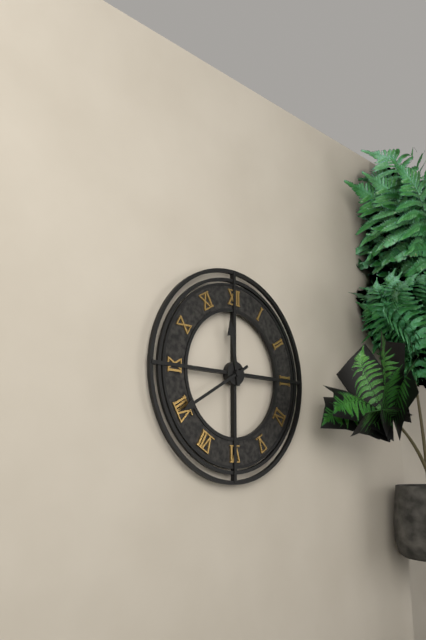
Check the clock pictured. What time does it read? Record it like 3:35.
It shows 11:40
